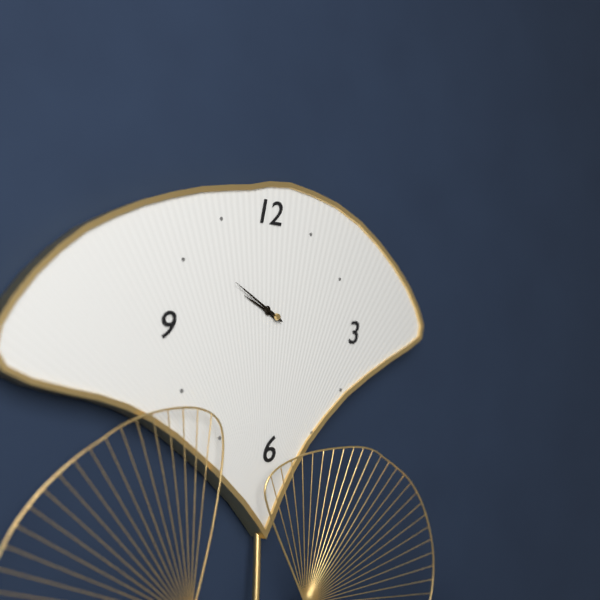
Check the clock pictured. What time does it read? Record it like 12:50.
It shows 9:50
